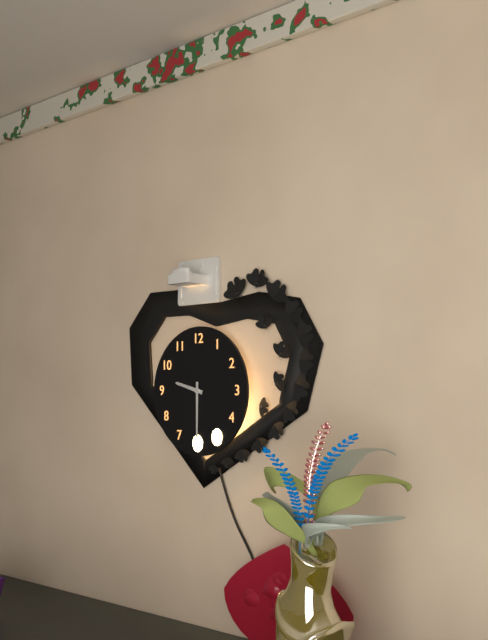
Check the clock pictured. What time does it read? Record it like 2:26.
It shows 9:30
